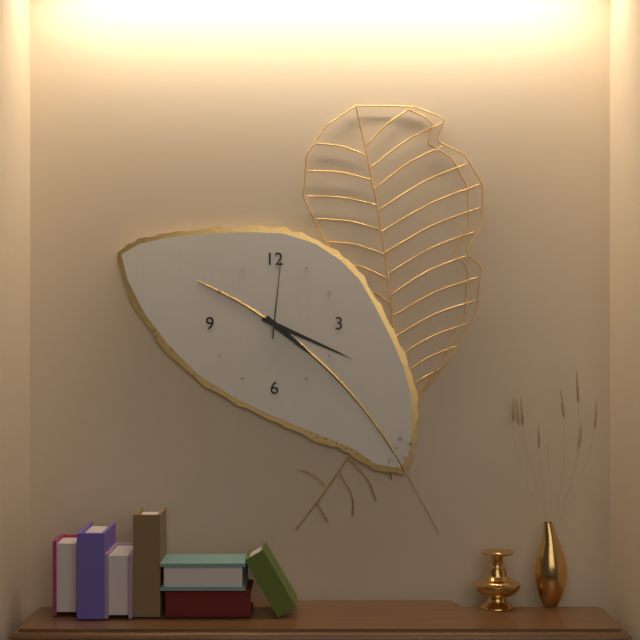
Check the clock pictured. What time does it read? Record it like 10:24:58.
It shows 4:19:01
